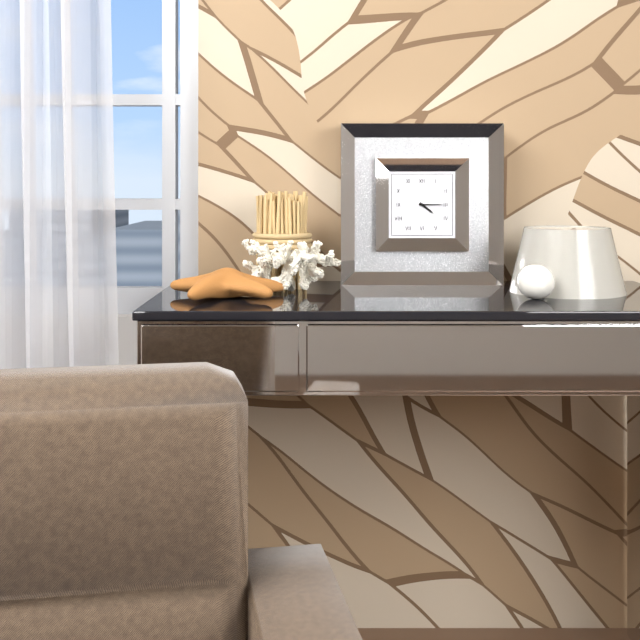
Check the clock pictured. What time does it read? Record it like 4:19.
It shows 4:15
